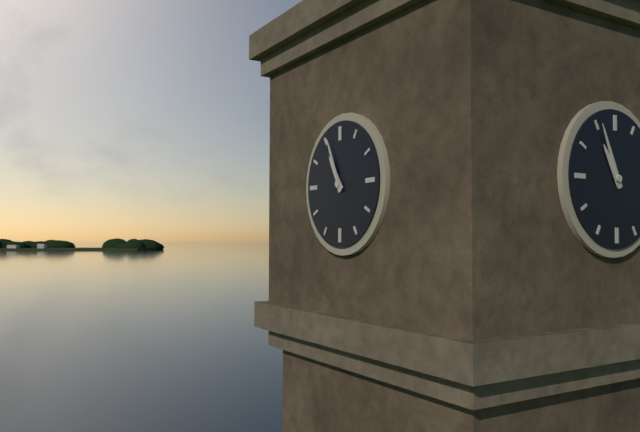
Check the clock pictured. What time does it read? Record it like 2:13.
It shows 10:56
